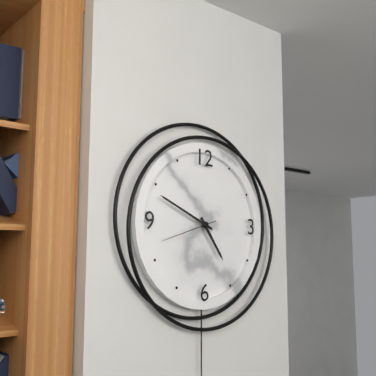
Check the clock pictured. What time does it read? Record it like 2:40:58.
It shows 4:49:42
